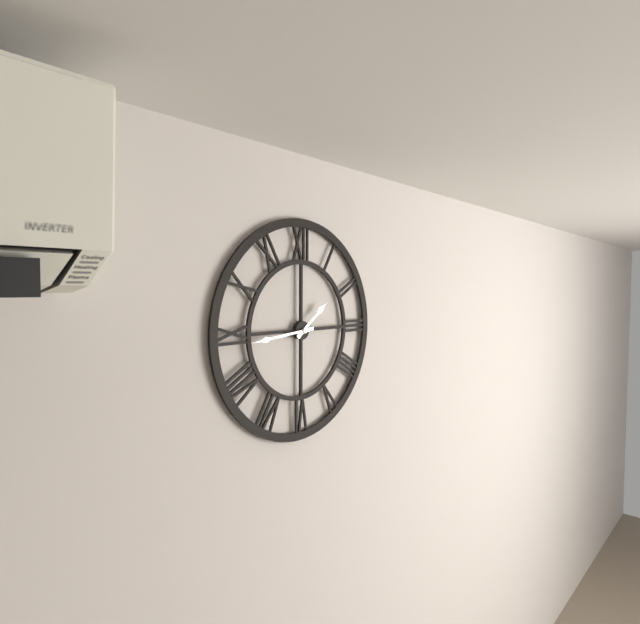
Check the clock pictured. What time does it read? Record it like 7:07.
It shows 1:44
